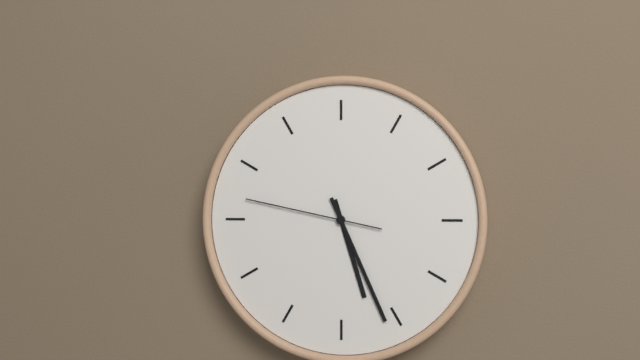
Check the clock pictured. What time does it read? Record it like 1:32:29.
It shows 5:26:47
